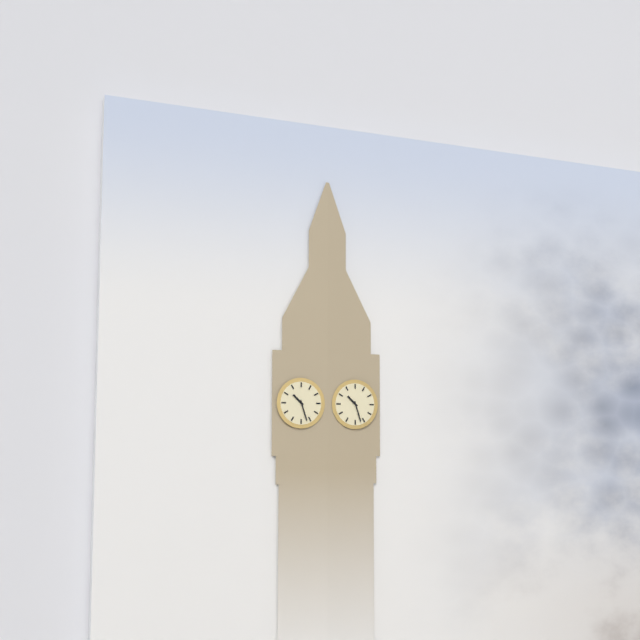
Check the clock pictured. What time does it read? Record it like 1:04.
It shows 10:27
